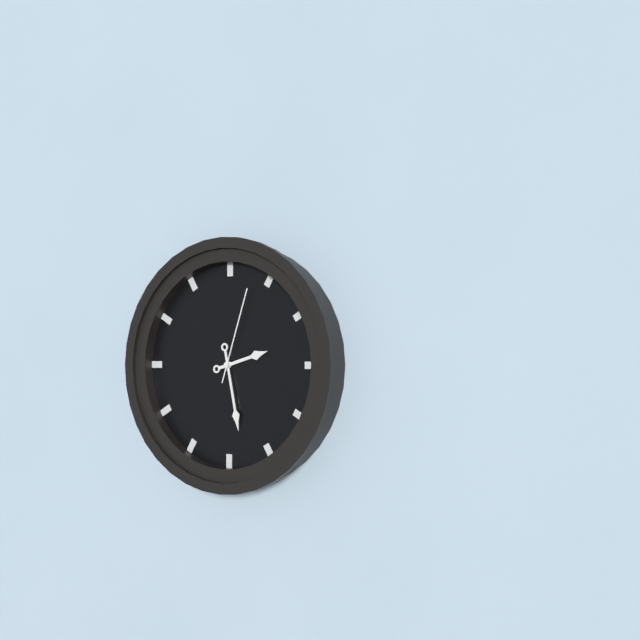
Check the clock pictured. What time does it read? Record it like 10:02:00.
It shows 2:28:03
